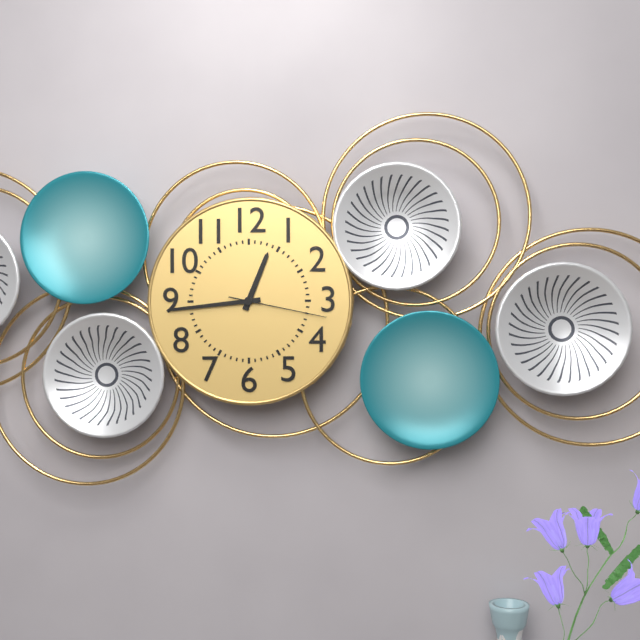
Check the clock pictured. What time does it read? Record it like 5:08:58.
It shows 12:44:17
